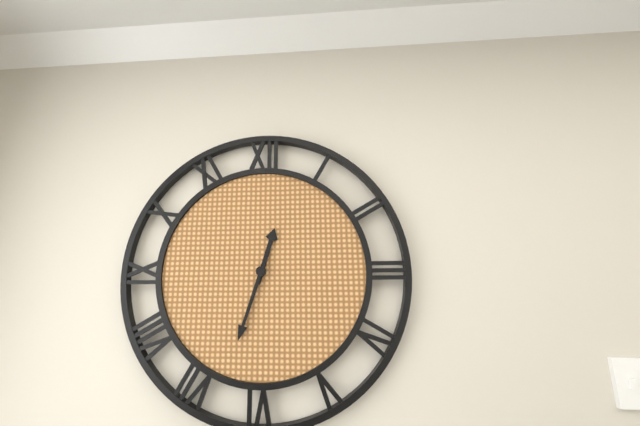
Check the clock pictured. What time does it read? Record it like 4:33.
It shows 12:33
